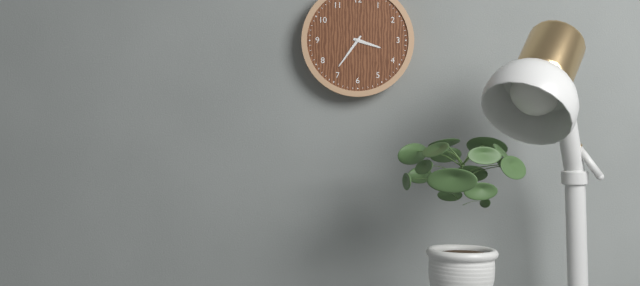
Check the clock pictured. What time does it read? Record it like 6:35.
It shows 3:36
